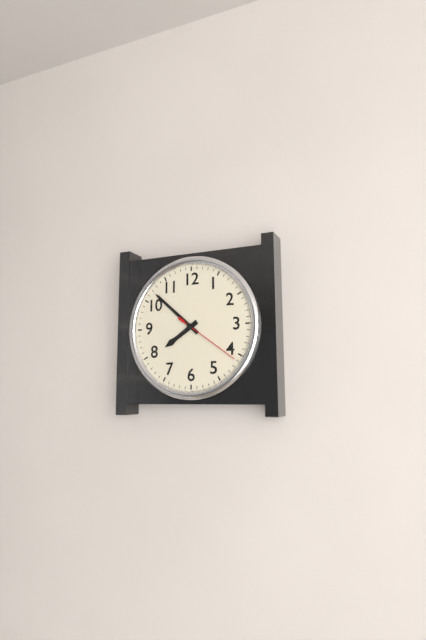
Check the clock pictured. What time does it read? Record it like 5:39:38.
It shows 7:52:21
